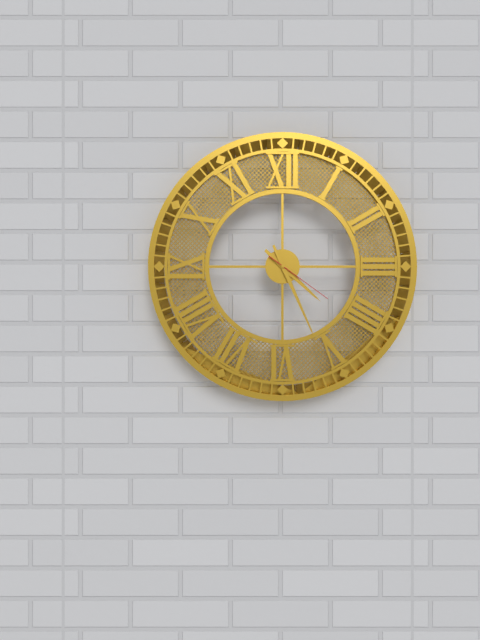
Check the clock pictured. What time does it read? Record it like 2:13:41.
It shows 4:26:21
